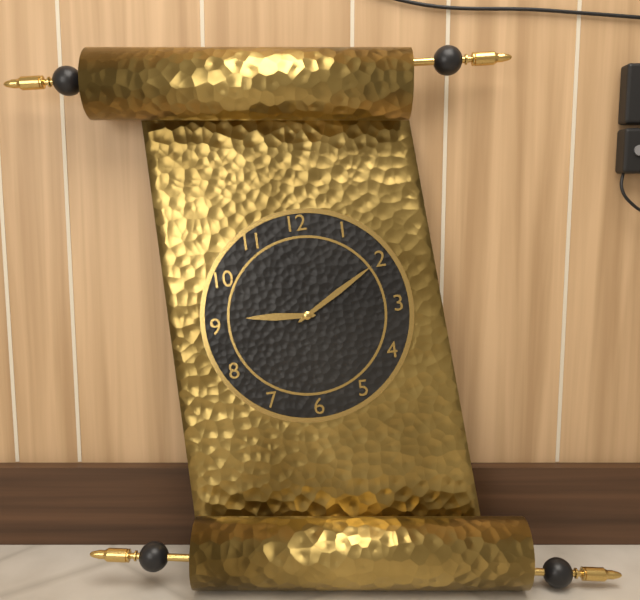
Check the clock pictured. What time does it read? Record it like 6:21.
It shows 9:10
